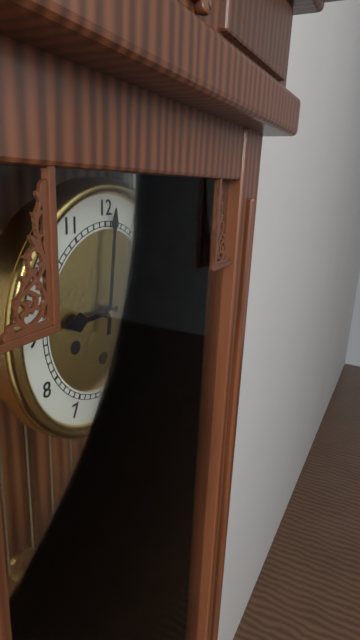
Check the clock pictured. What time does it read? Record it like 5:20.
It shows 9:01
